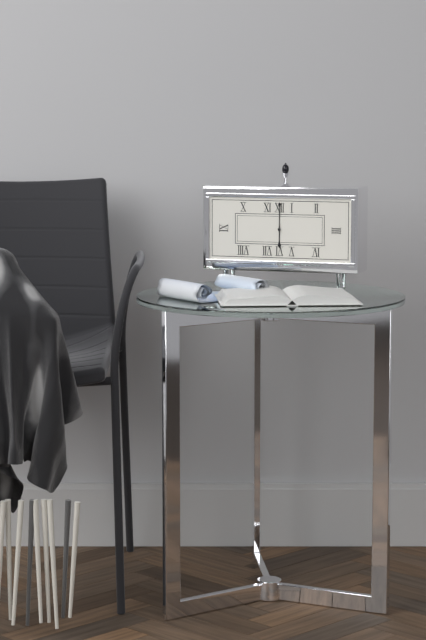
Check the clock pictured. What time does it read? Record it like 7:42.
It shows 6:00
